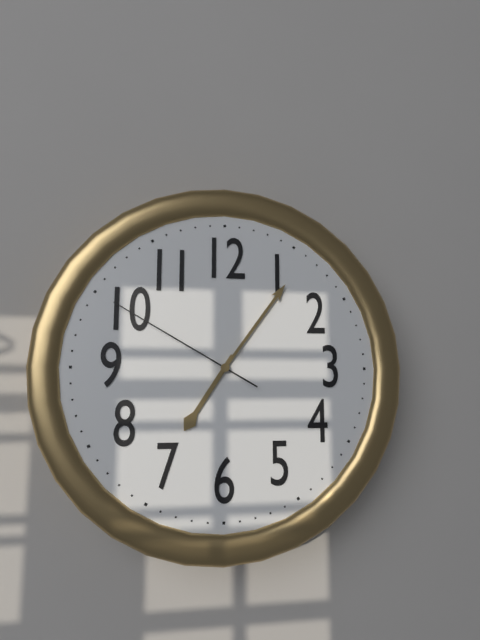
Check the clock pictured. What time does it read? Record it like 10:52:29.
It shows 7:06:50
